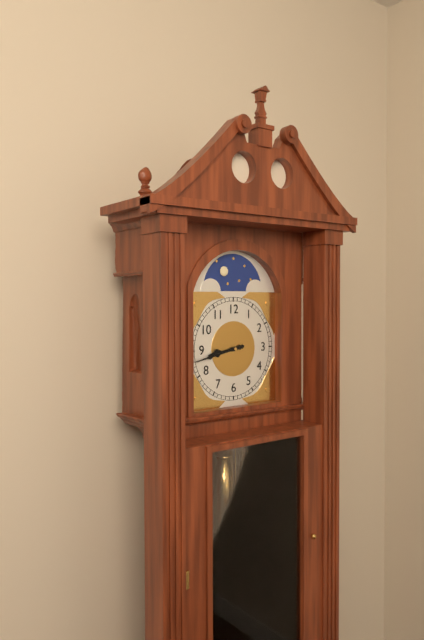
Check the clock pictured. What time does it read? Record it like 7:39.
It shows 8:43
